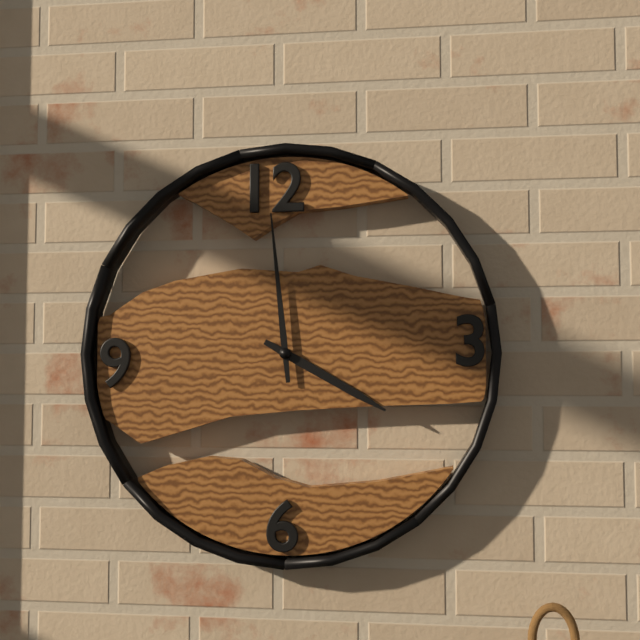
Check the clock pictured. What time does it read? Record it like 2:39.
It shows 3:59
